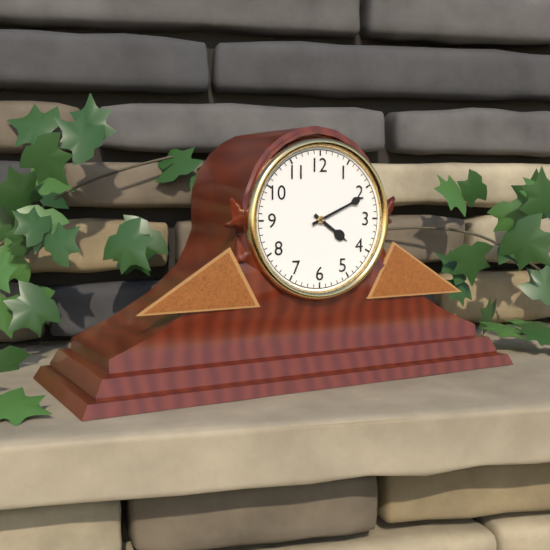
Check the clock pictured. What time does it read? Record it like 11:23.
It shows 4:11
